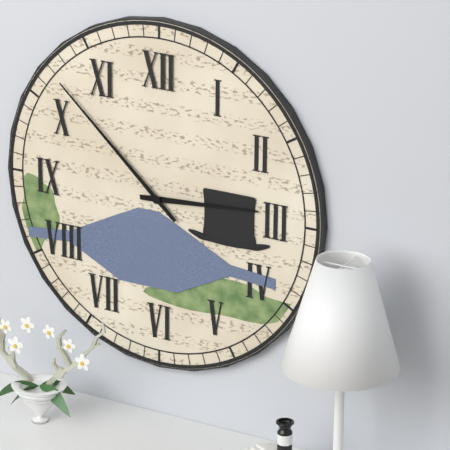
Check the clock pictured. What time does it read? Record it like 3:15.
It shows 2:52
